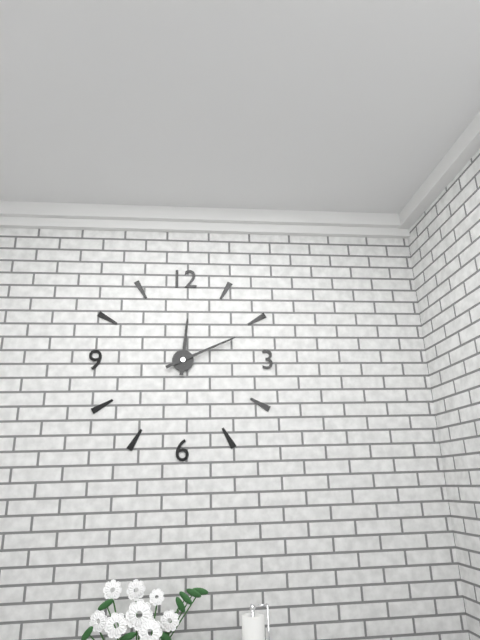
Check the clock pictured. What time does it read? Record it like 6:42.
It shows 12:11
